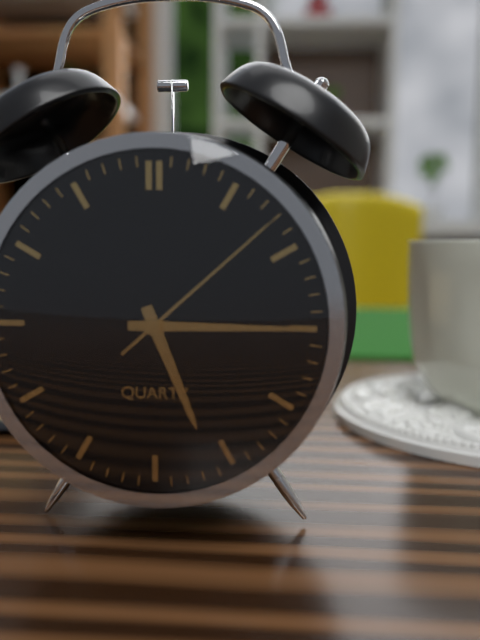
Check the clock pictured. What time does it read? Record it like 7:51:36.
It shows 5:15:08
